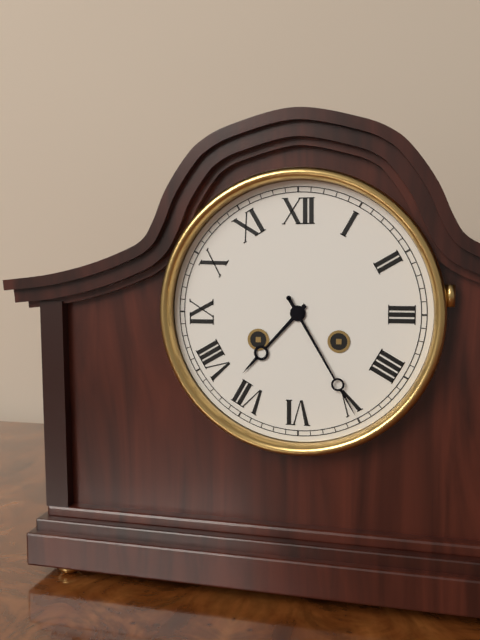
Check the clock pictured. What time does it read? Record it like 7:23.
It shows 7:25
